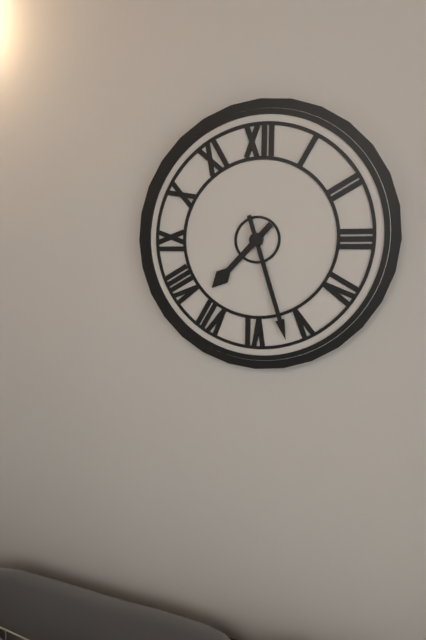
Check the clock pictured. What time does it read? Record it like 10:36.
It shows 7:27
